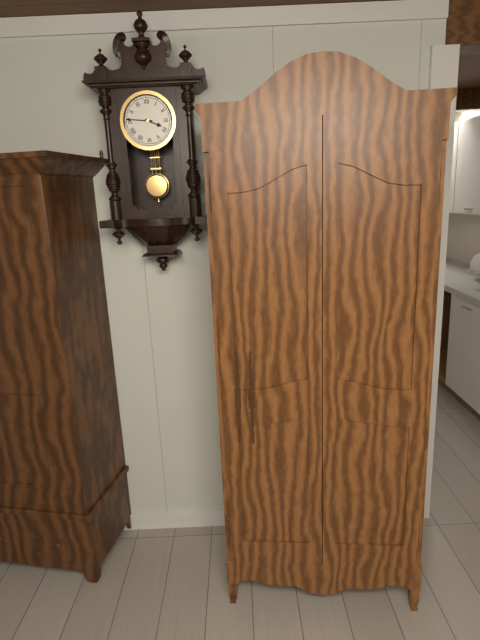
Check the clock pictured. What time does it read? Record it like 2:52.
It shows 3:46
